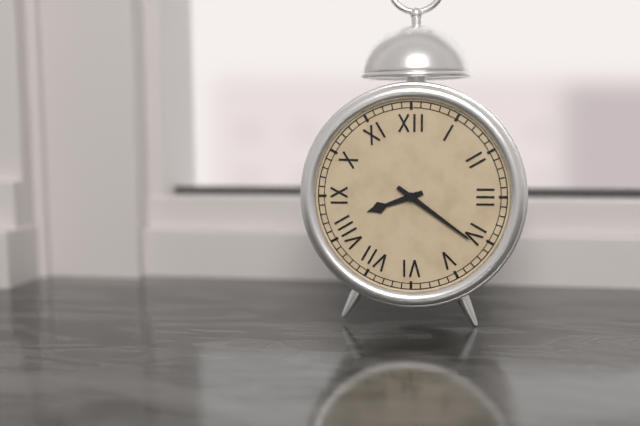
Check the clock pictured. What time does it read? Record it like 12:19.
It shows 8:21
